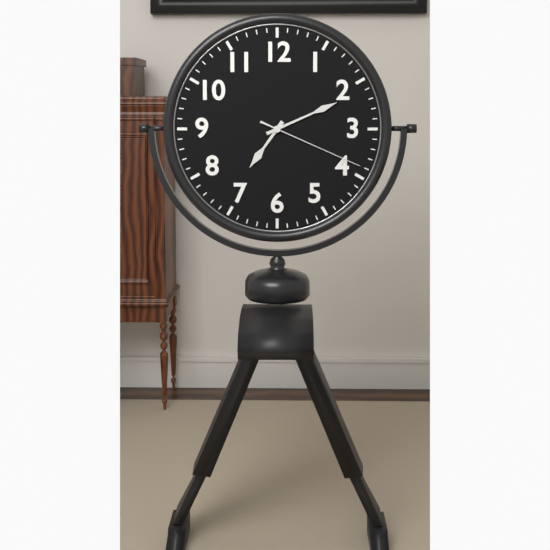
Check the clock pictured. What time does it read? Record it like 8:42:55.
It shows 7:11:19
